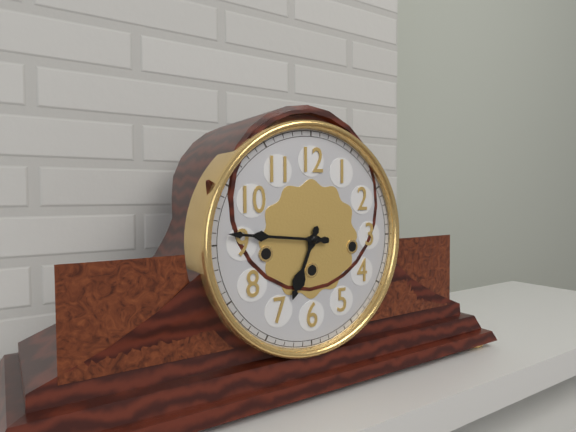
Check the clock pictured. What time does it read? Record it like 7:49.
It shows 6:46
